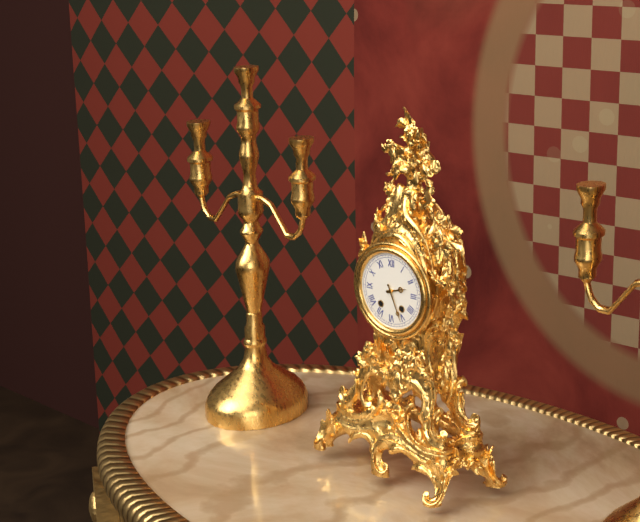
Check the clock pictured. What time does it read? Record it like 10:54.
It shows 2:26
